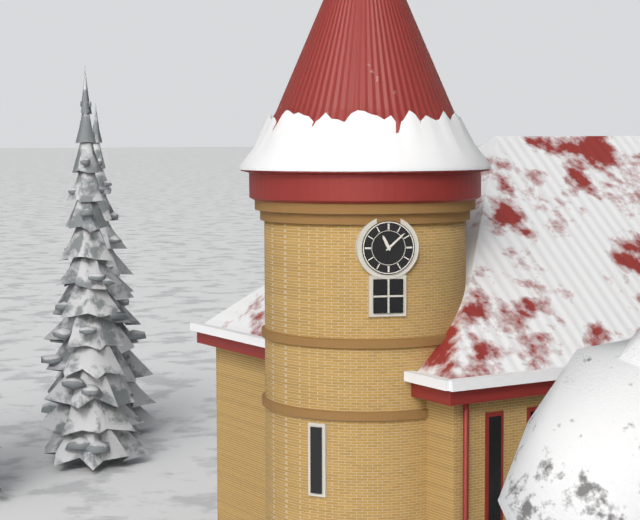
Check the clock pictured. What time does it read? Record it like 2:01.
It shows 11:08
